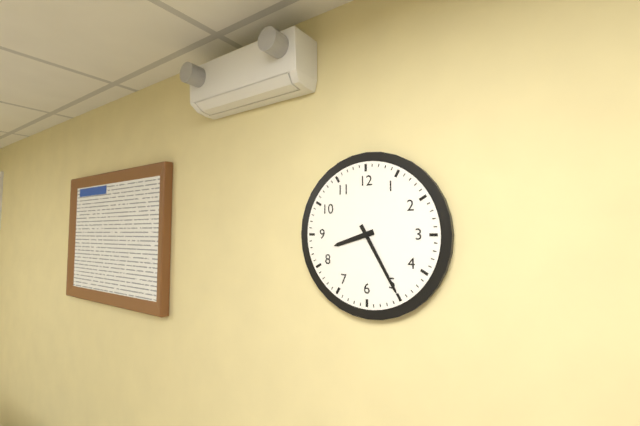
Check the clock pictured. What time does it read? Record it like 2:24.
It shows 8:25
